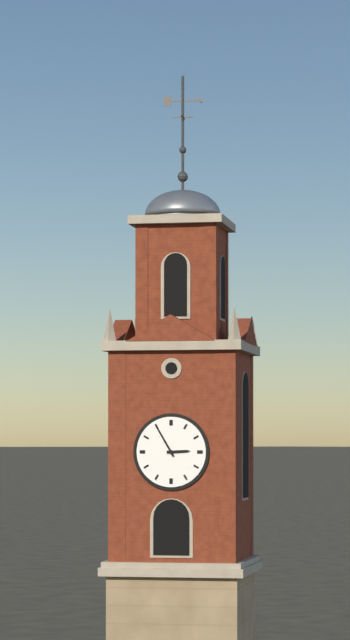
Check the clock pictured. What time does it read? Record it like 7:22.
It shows 2:55
